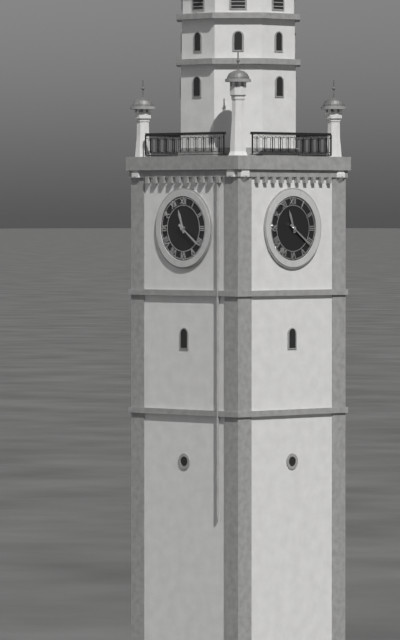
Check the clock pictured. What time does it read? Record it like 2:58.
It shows 11:21
